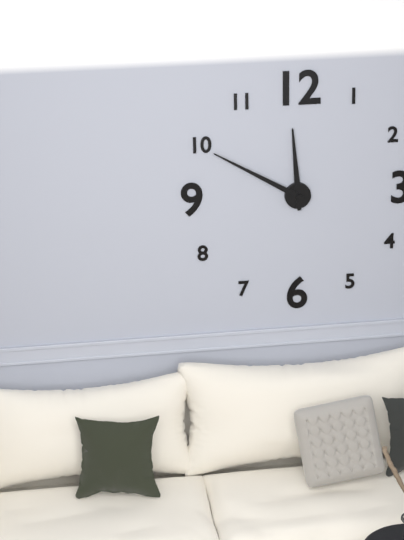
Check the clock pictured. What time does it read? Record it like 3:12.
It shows 11:50
